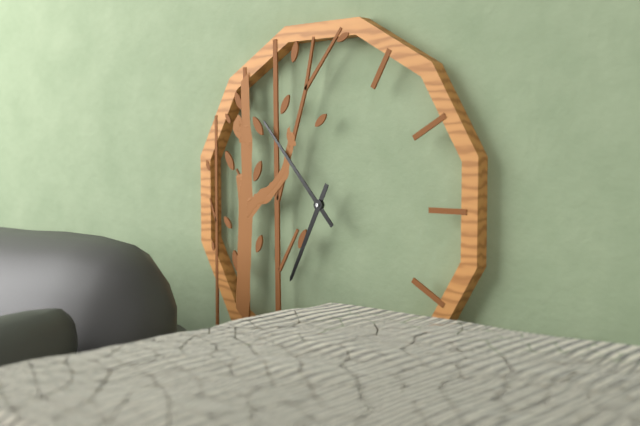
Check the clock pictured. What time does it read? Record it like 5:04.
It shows 6:53
